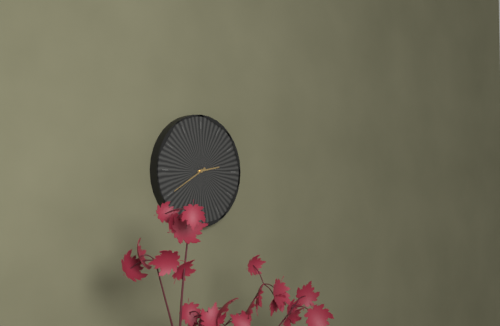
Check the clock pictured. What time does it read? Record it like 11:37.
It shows 2:40
